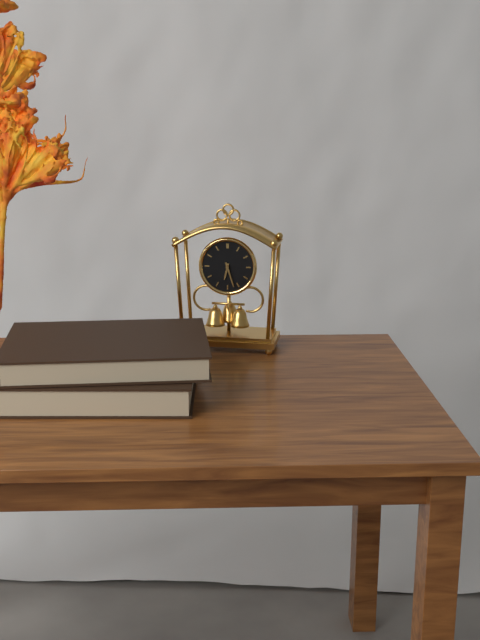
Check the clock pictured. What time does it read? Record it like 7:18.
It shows 6:27
